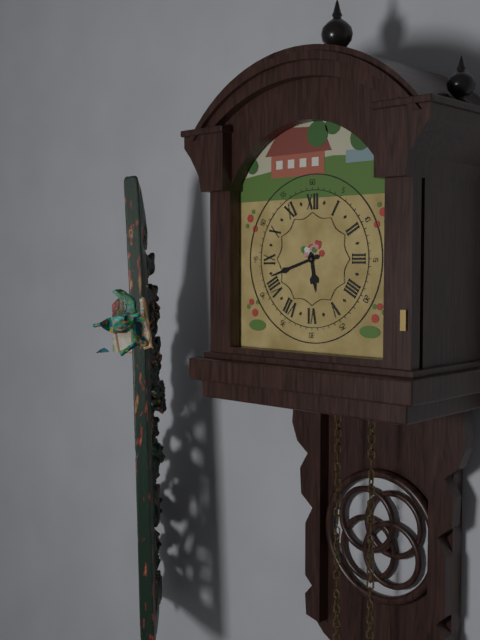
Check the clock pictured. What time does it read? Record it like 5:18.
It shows 5:42
